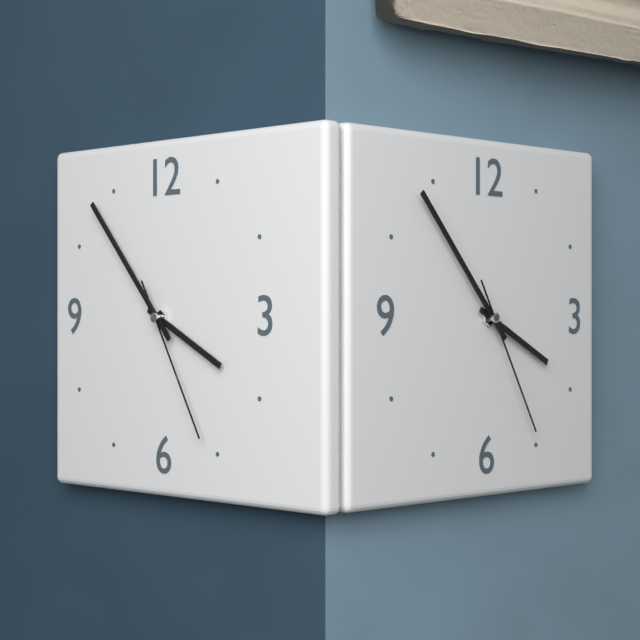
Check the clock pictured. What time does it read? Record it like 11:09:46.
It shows 3:53:25
